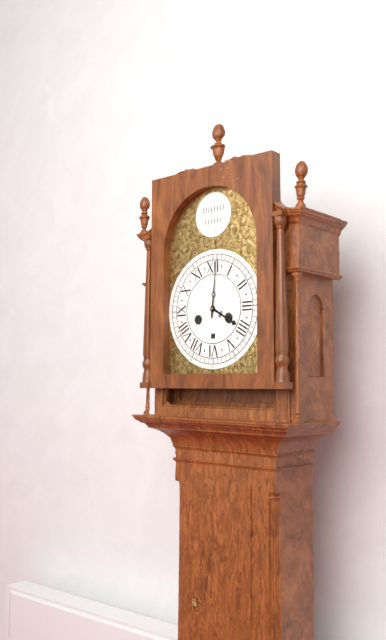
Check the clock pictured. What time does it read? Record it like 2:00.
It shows 4:01
